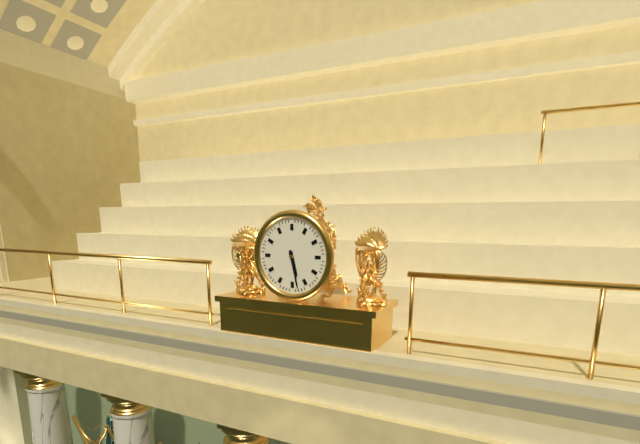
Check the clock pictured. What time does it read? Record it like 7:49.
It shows 5:28
